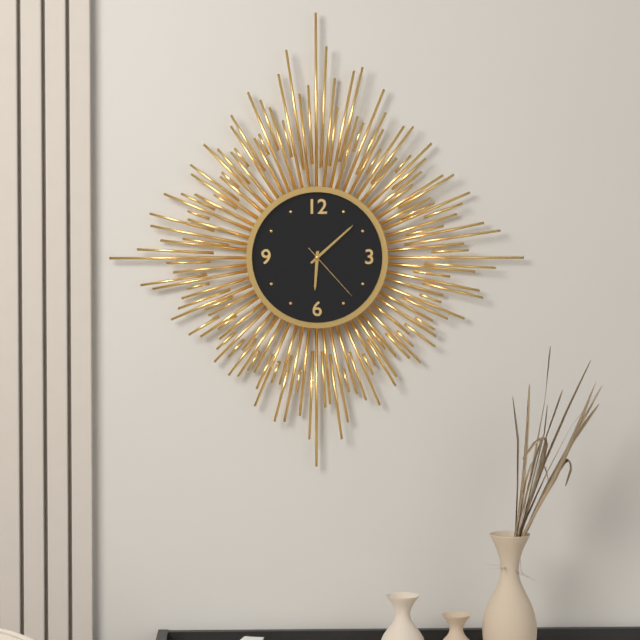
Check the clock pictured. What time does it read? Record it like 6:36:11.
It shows 6:08:23
